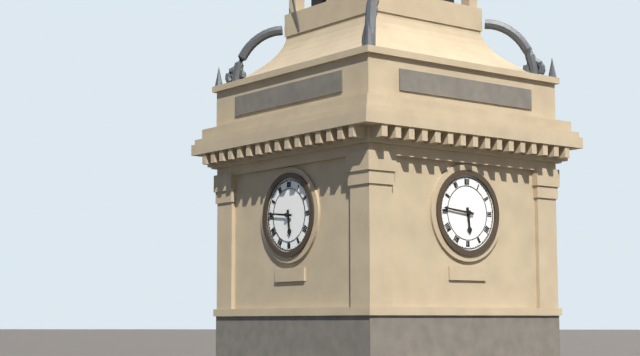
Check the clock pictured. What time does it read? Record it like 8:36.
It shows 5:46
